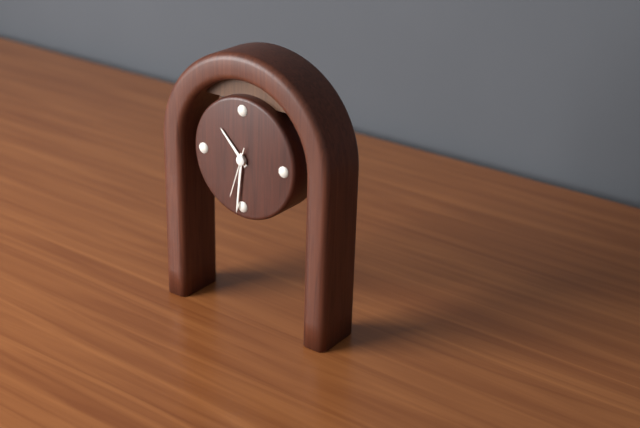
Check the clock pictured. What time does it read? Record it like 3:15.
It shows 10:31
